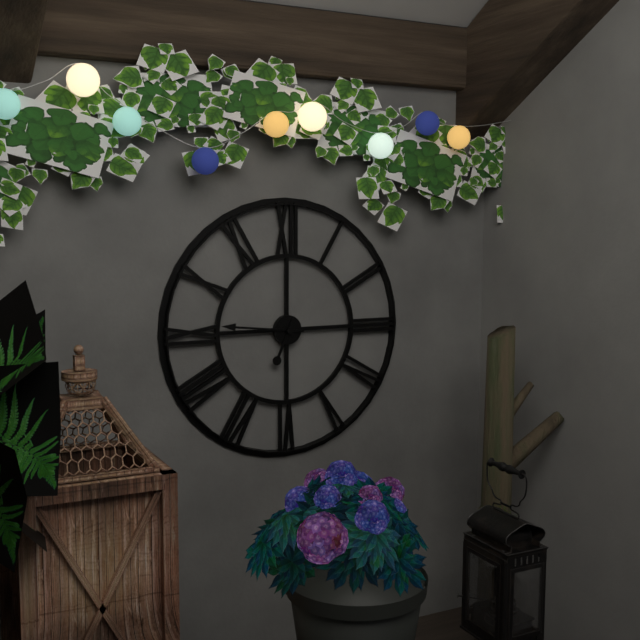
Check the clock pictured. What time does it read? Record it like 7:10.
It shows 6:46
